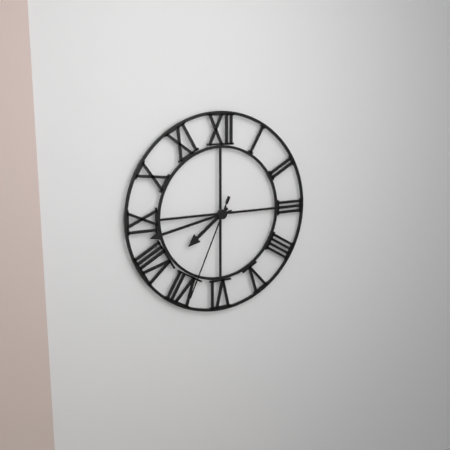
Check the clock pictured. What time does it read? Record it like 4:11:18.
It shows 7:43:34
